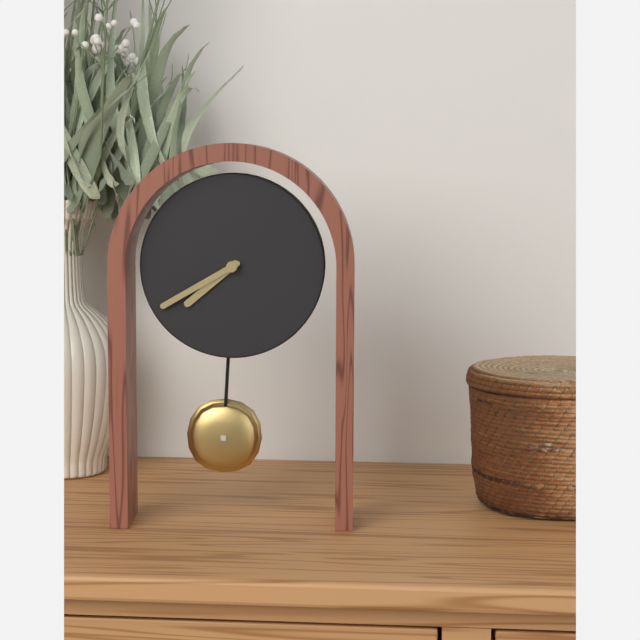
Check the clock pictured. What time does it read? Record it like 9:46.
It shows 7:40
